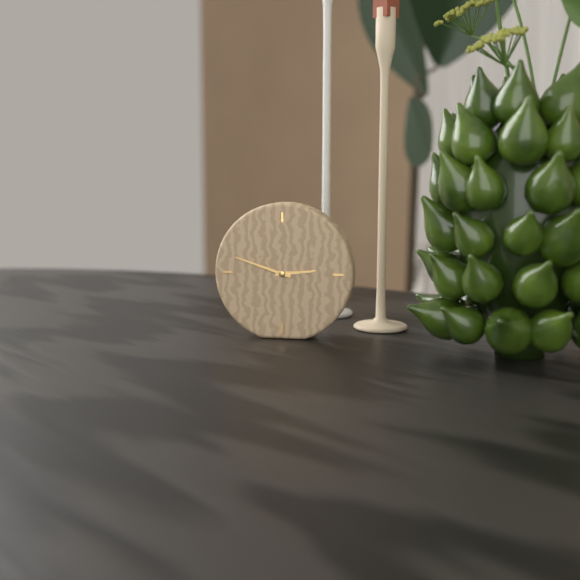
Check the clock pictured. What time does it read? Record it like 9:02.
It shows 2:48
